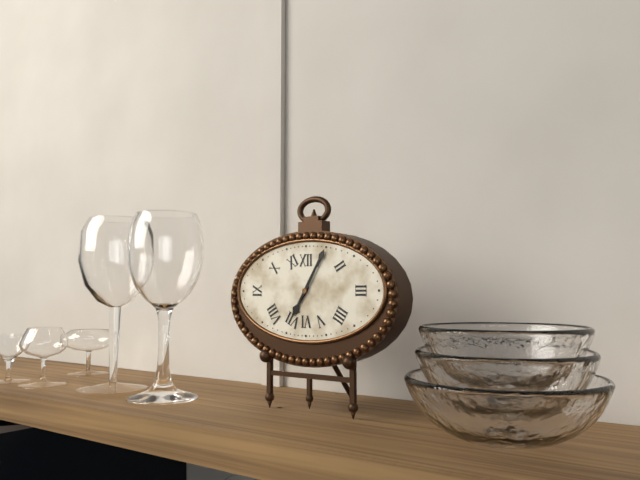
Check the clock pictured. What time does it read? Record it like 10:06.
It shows 7:05
